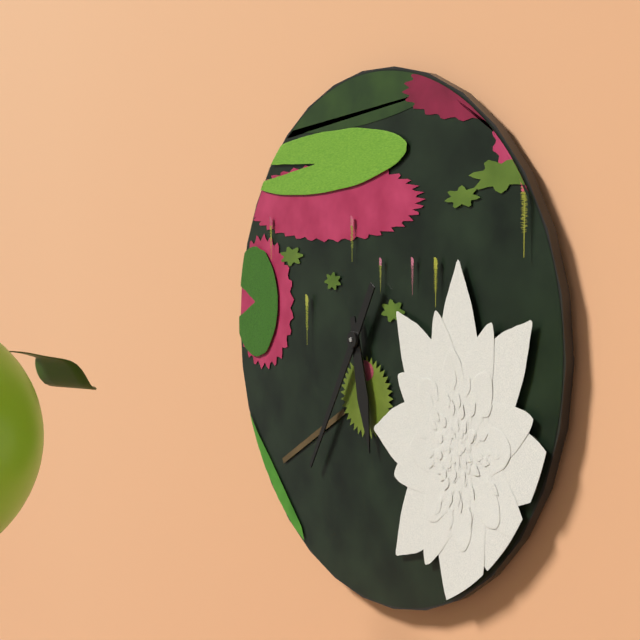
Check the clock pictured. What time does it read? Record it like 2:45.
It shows 5:35
